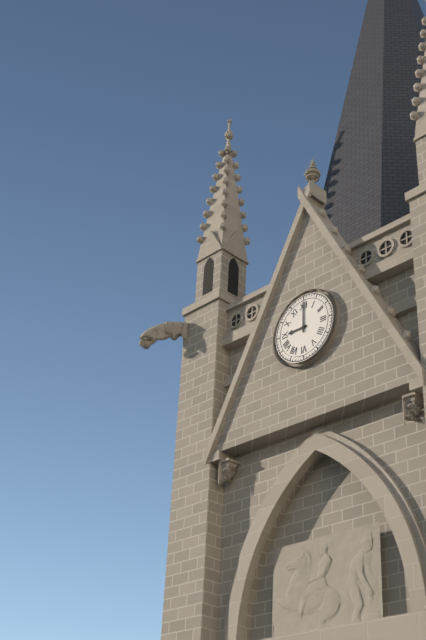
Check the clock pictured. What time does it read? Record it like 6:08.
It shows 9:00
